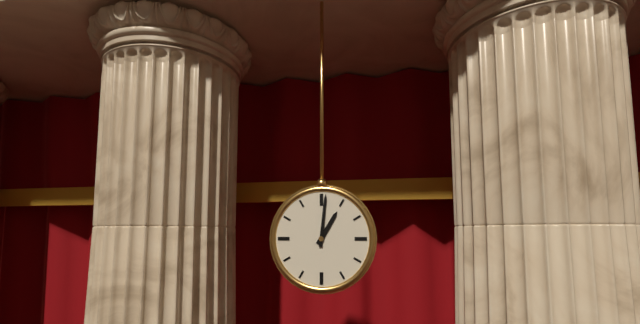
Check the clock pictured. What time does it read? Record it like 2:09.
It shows 1:01
